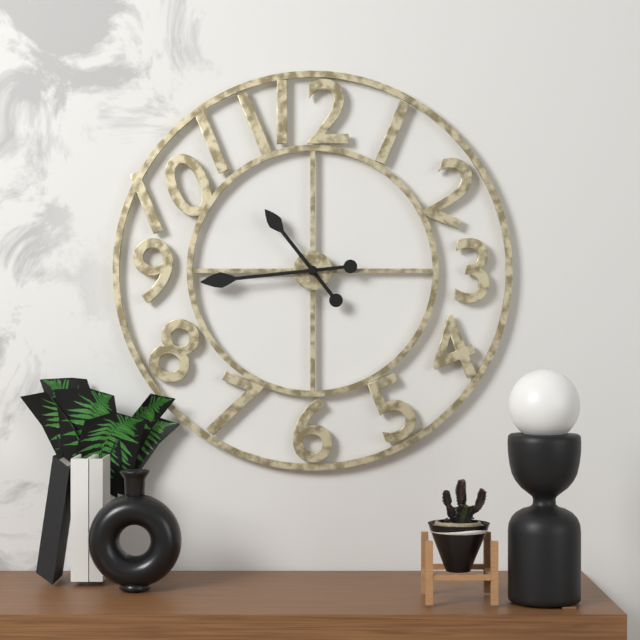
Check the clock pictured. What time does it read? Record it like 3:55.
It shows 10:44
